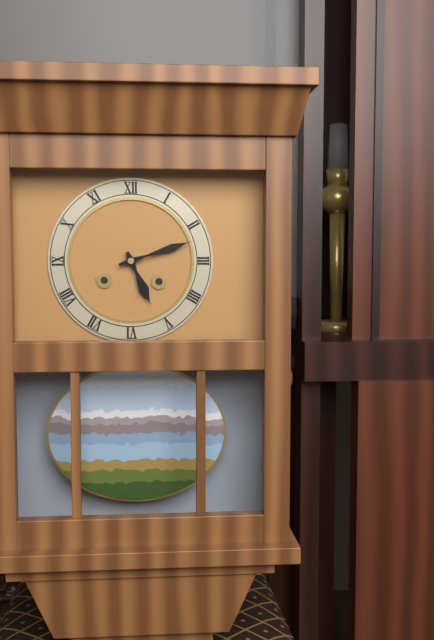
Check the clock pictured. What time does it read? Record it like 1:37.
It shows 5:12
